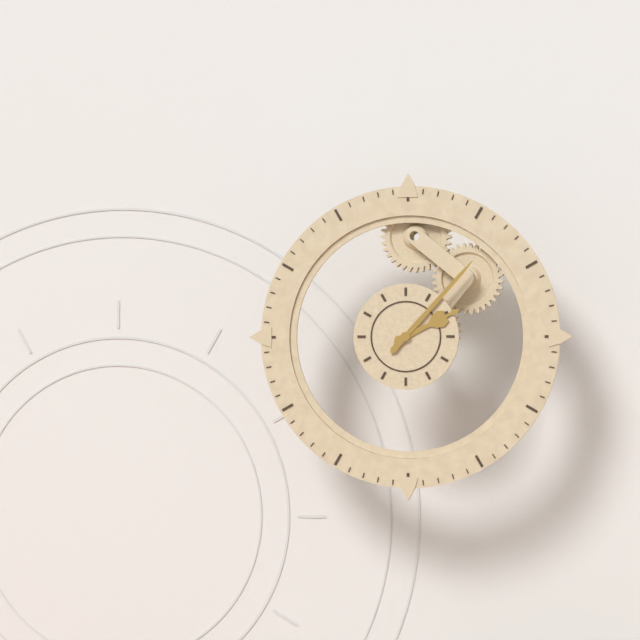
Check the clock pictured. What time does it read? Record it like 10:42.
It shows 2:07
